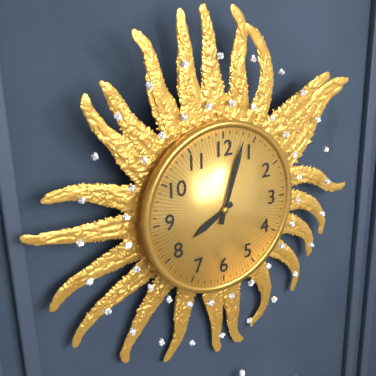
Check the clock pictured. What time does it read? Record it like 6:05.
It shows 8:03
